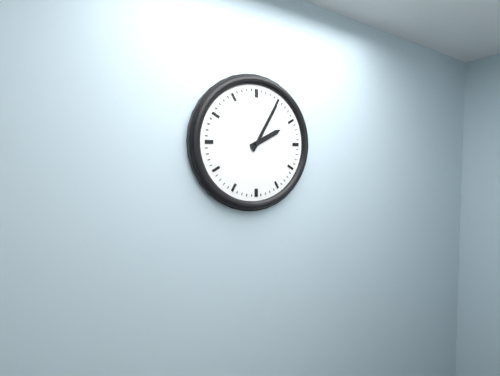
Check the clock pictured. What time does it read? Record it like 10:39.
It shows 2:05
